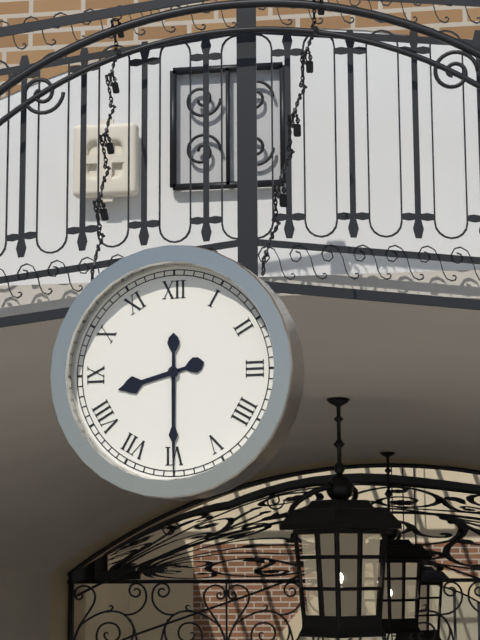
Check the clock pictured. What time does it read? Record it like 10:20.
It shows 8:30
